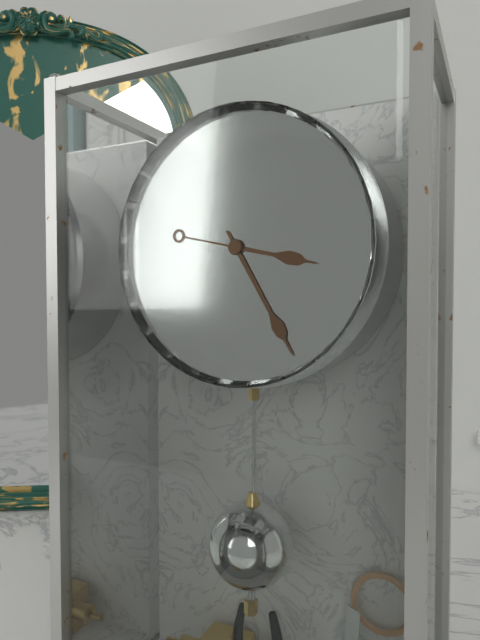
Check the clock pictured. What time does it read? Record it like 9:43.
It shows 3:25
